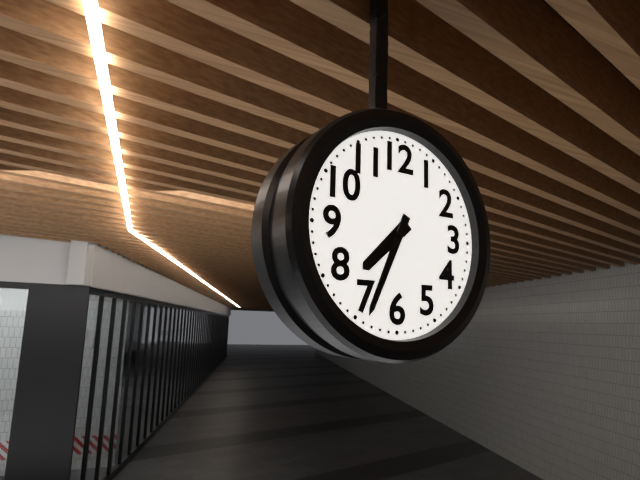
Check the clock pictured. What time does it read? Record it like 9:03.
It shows 7:34
